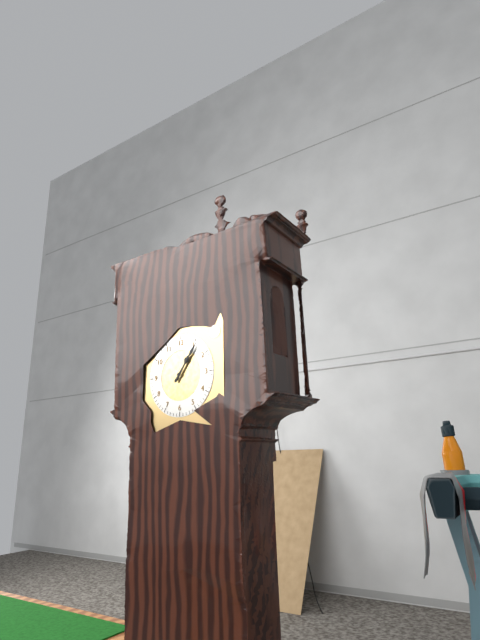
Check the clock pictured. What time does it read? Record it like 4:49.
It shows 1:06
